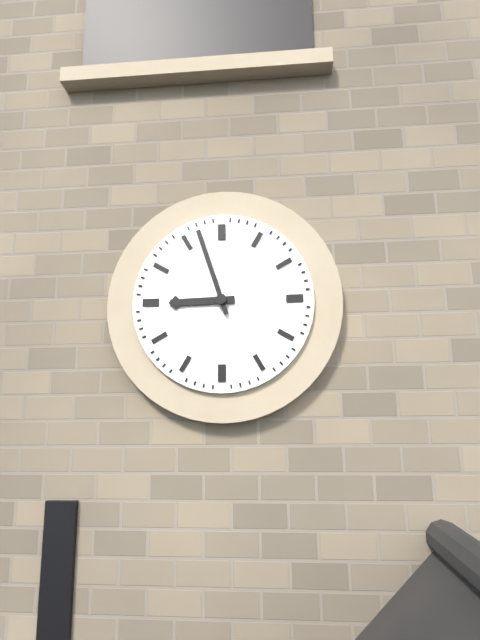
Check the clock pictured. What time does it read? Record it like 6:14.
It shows 8:57
